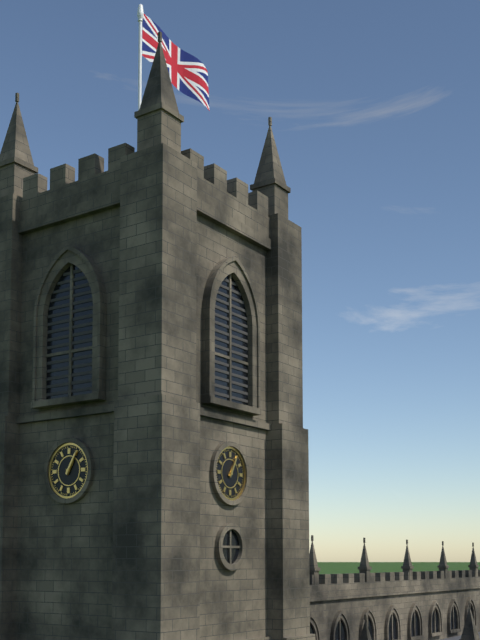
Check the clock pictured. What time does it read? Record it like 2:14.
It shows 1:05
